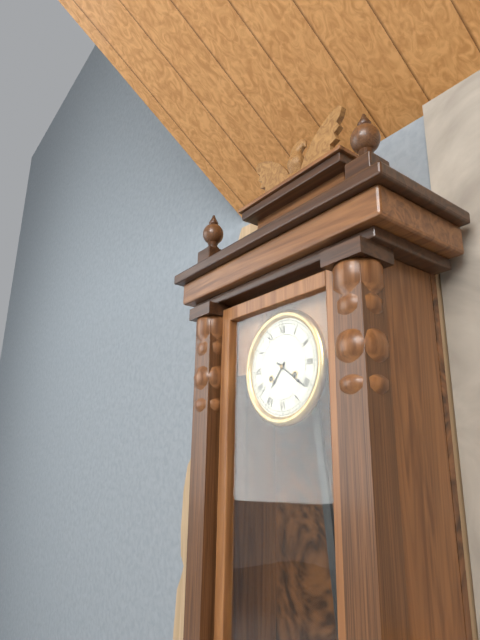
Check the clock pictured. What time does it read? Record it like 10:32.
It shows 7:21
